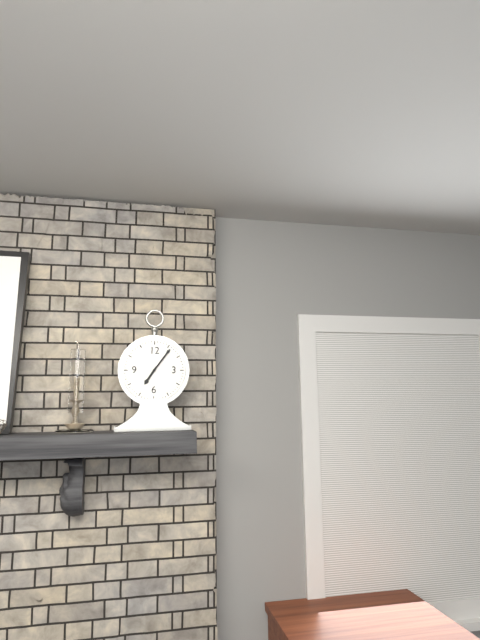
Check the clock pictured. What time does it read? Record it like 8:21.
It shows 7:06
